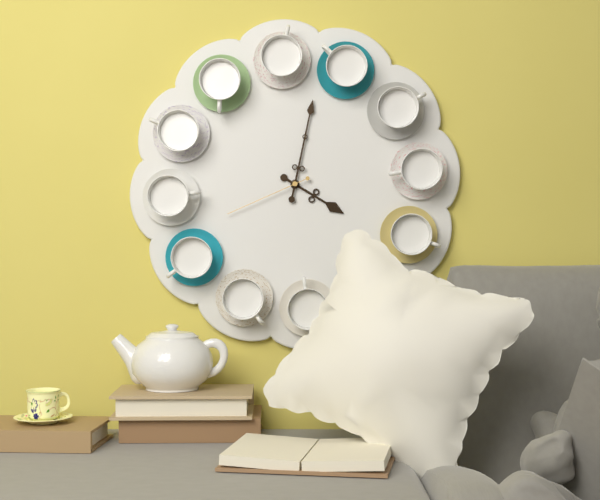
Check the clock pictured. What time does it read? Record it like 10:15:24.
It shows 4:02:41
